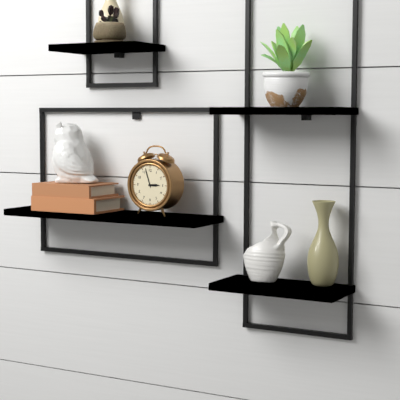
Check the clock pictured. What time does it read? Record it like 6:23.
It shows 2:57
